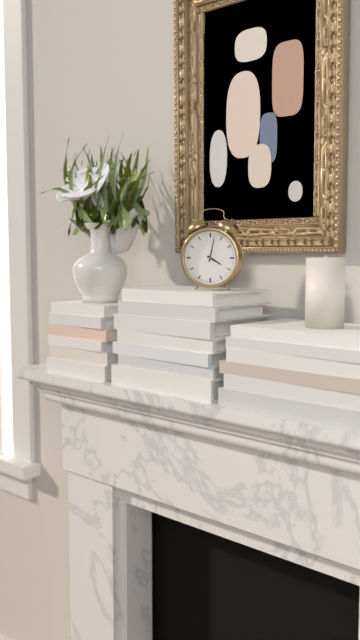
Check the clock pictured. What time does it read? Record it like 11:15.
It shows 4:02
